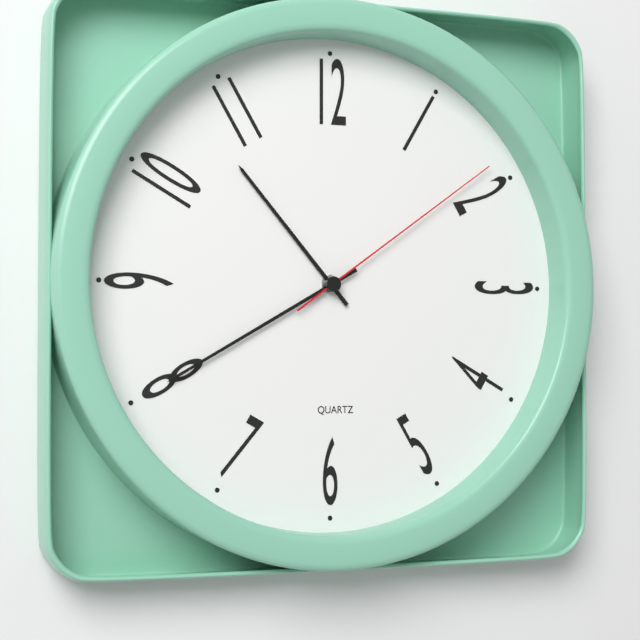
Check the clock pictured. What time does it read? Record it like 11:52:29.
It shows 10:40:09
